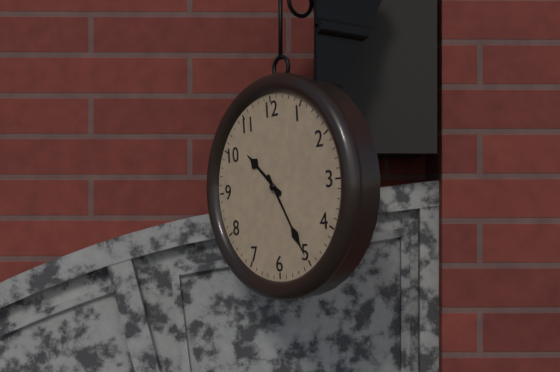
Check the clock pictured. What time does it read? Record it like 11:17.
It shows 10:25
